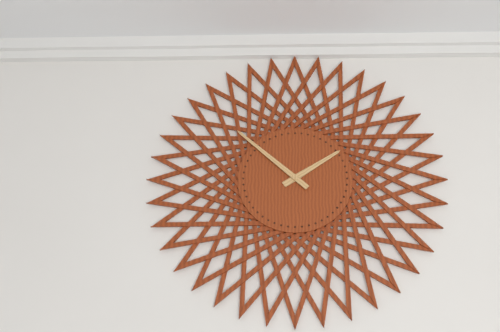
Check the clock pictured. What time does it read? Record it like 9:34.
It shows 1:52
